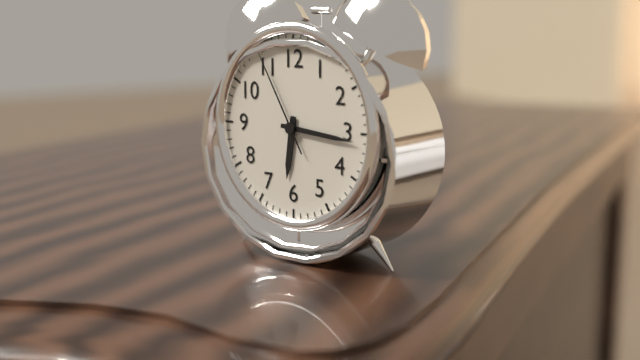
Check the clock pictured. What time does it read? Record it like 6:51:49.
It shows 6:16:55
